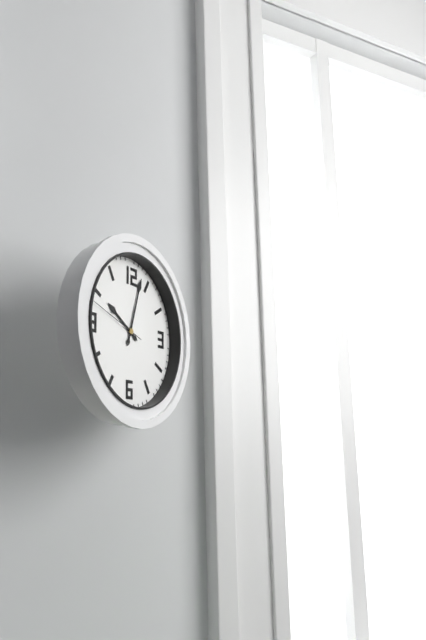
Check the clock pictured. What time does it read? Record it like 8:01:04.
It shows 10:03:48
